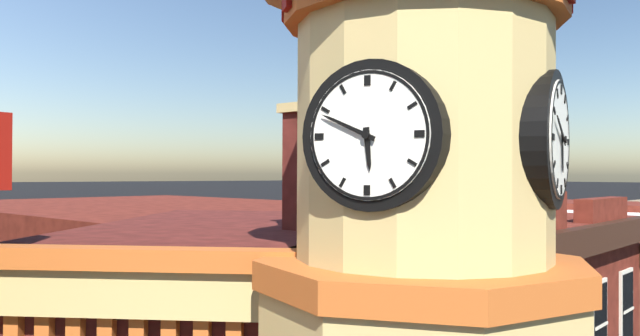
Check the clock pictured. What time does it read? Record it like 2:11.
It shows 5:49
